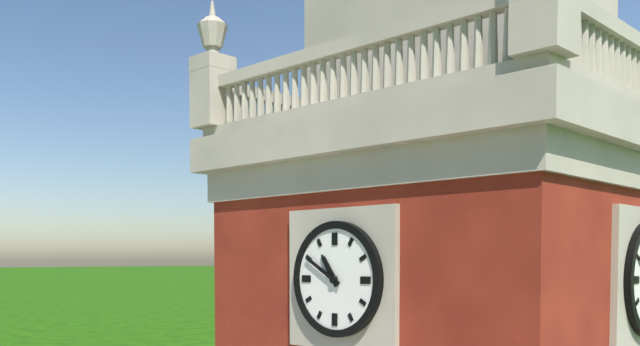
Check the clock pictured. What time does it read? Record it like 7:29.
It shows 10:50
